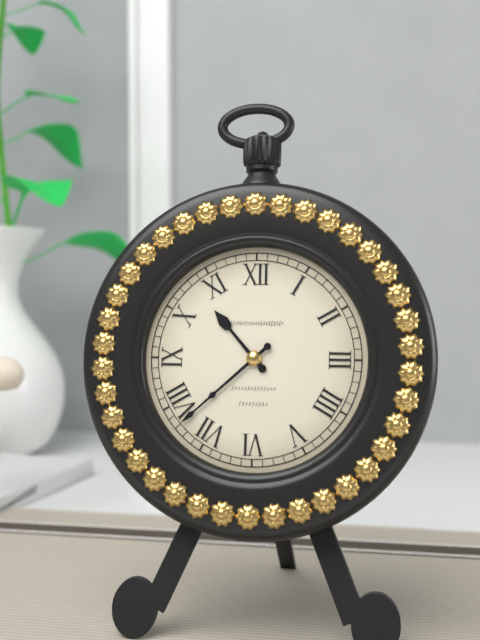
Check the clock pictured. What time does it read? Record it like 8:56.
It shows 10:38
